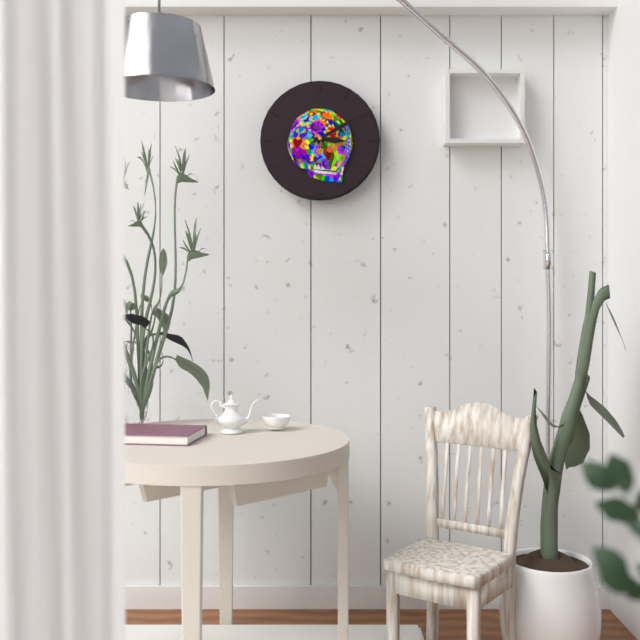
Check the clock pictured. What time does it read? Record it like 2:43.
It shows 3:10
